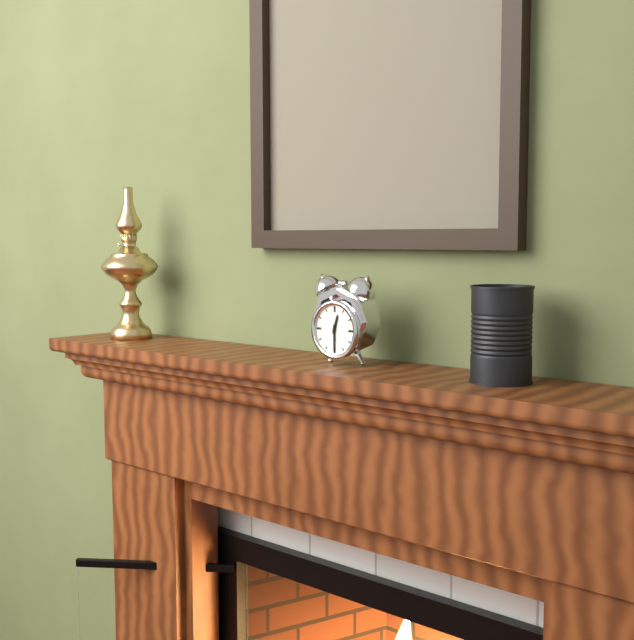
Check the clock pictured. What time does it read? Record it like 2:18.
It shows 12:30
